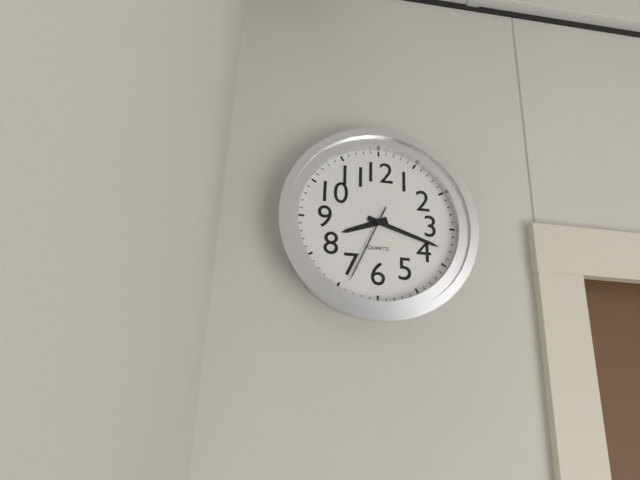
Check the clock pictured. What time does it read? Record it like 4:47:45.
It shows 8:18:34
